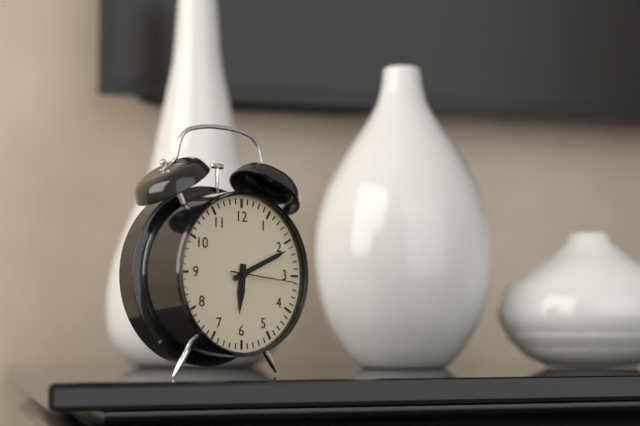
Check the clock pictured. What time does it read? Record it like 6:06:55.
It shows 6:11:16
